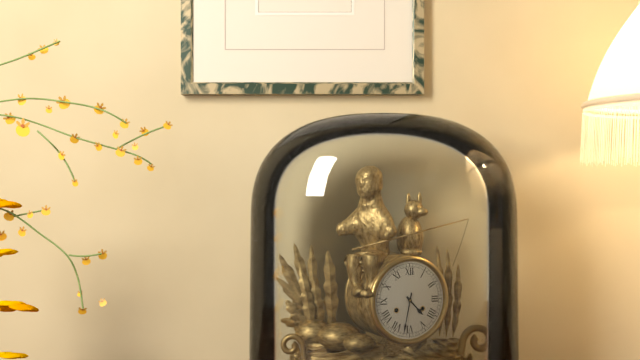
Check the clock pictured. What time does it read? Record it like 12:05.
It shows 4:32
